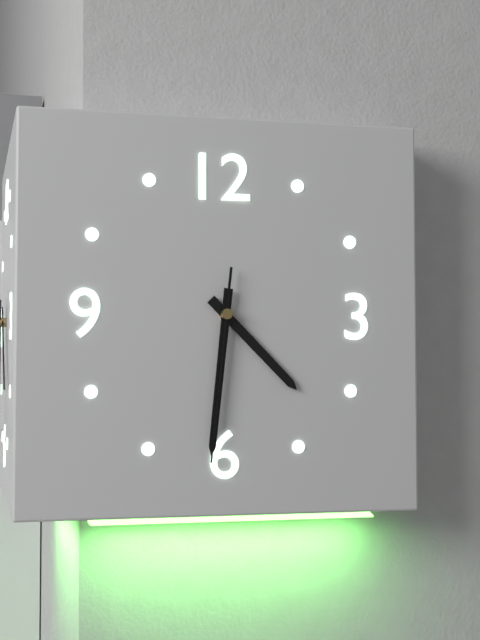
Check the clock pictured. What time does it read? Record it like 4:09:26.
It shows 4:31:31
